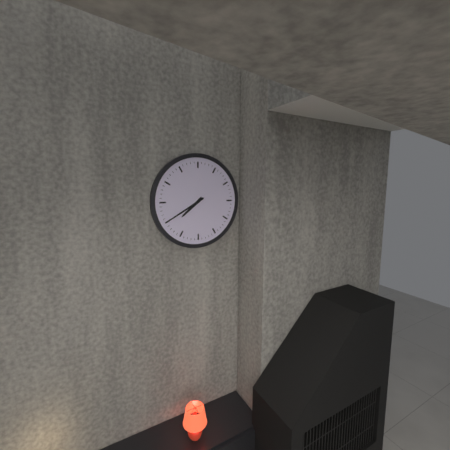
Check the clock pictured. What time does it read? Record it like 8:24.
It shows 7:40
